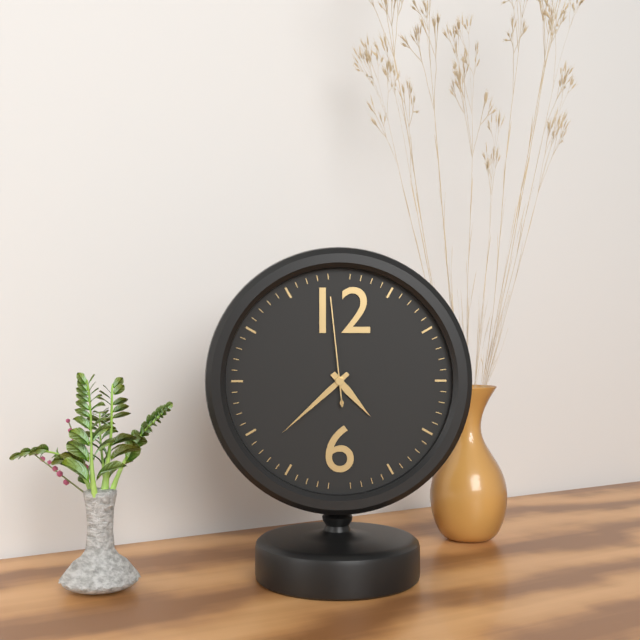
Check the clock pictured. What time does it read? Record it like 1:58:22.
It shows 4:38:59
